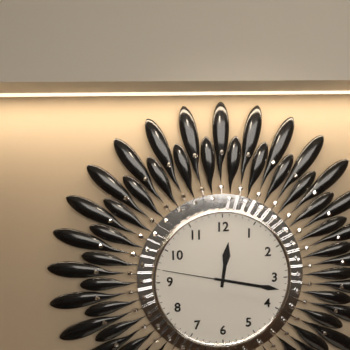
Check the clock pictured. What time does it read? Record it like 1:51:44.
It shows 12:17:47
